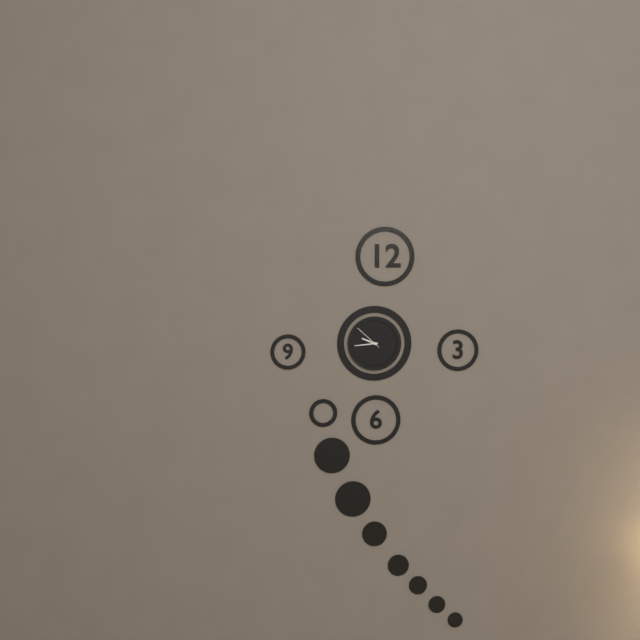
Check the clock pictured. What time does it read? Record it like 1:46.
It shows 9:44
